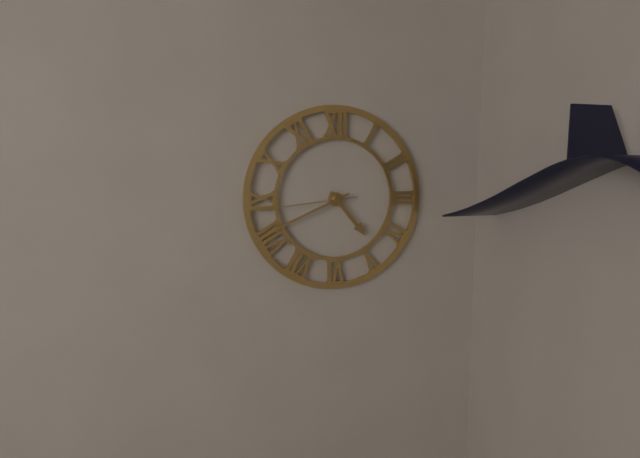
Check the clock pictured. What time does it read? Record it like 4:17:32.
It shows 4:41:44
